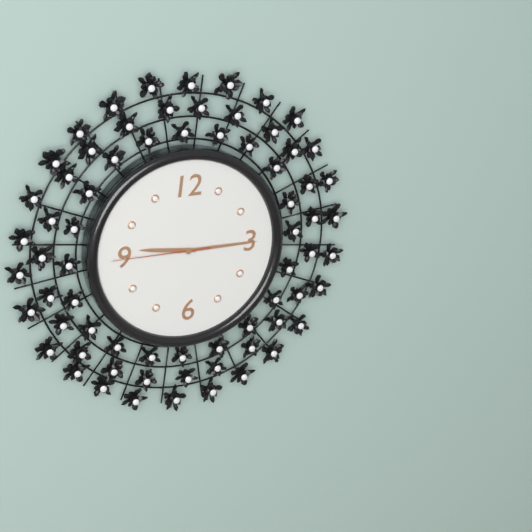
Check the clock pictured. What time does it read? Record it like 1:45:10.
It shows 9:15:45
